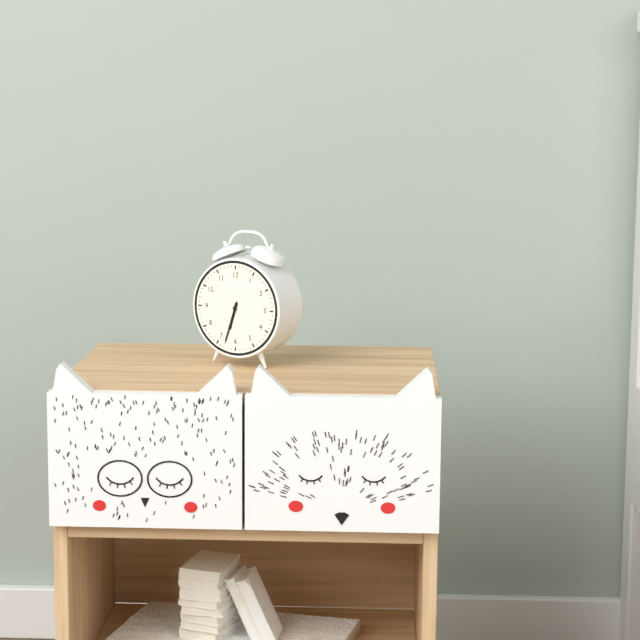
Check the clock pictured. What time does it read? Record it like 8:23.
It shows 6:33
